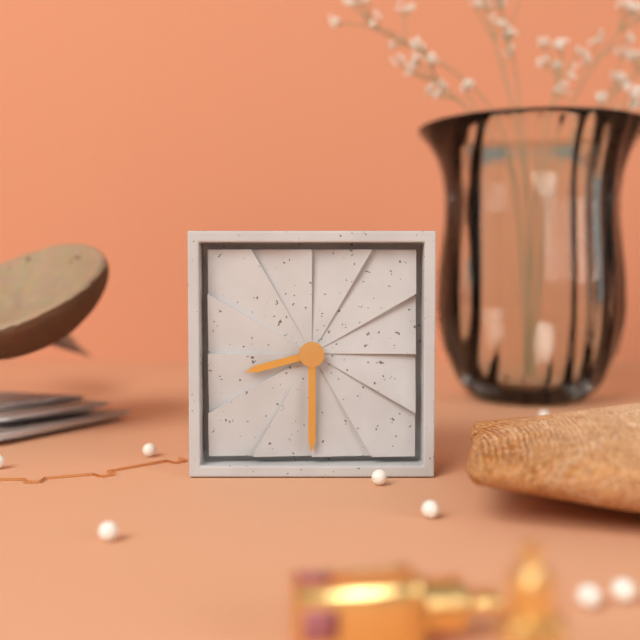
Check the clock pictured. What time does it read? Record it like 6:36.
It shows 8:30
